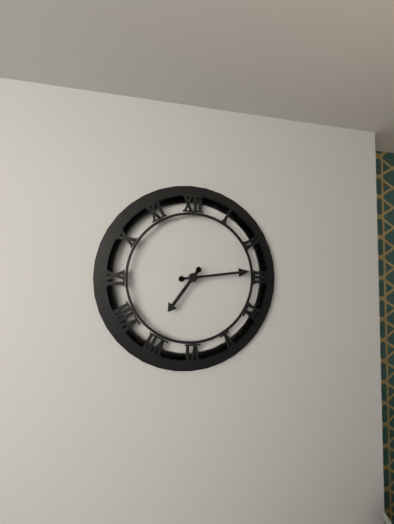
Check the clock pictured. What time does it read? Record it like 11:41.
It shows 7:14
